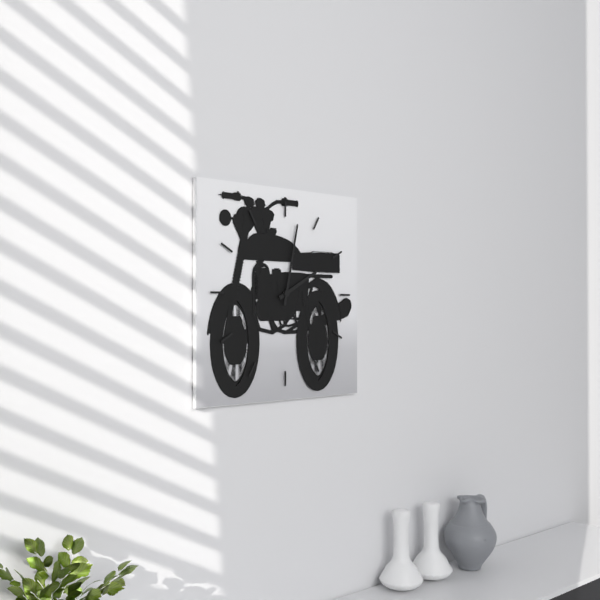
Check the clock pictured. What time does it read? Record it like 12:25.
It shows 2:02
